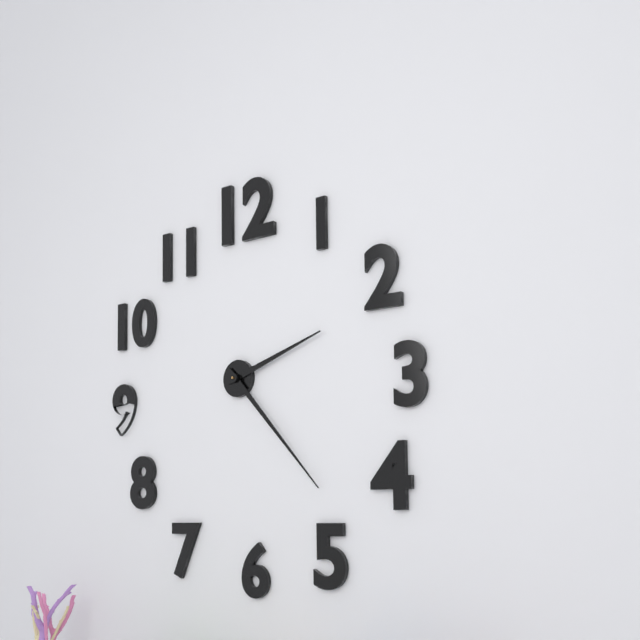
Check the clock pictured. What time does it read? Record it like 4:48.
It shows 2:23
